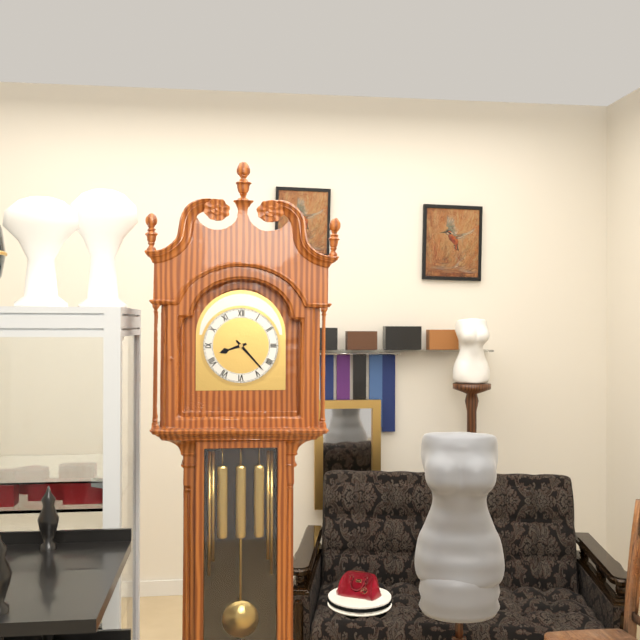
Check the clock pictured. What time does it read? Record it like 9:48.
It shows 8:23
